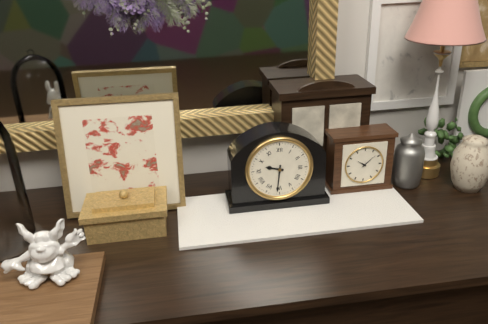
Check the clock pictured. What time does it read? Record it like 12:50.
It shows 9:31
